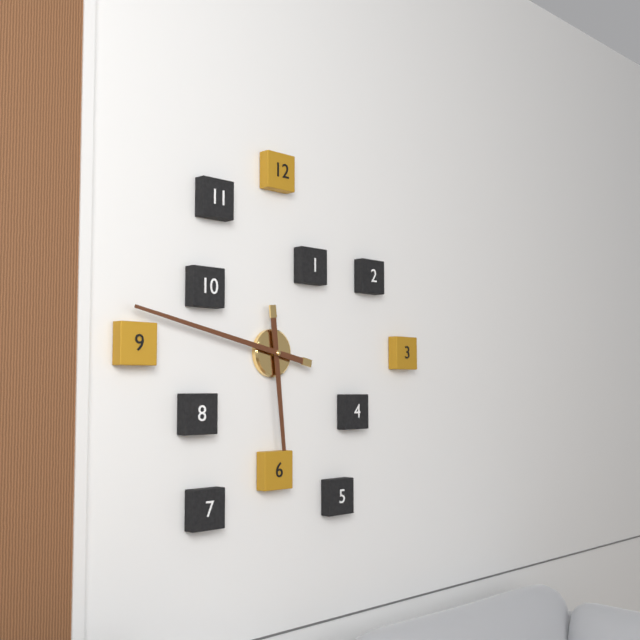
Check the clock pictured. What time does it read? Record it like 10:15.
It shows 5:47
